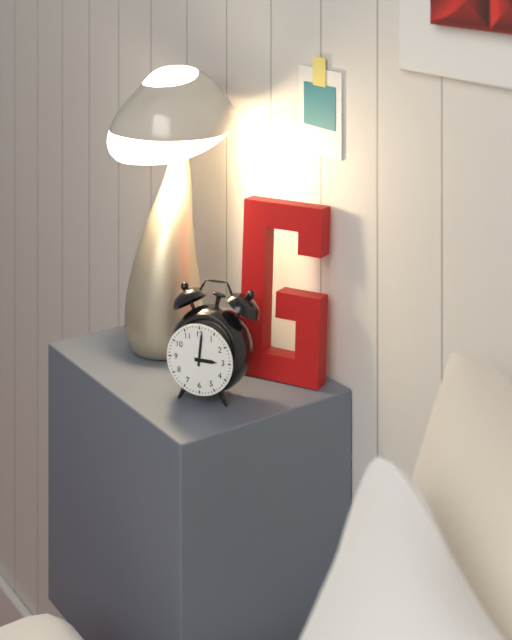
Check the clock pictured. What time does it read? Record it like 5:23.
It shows 3:01
